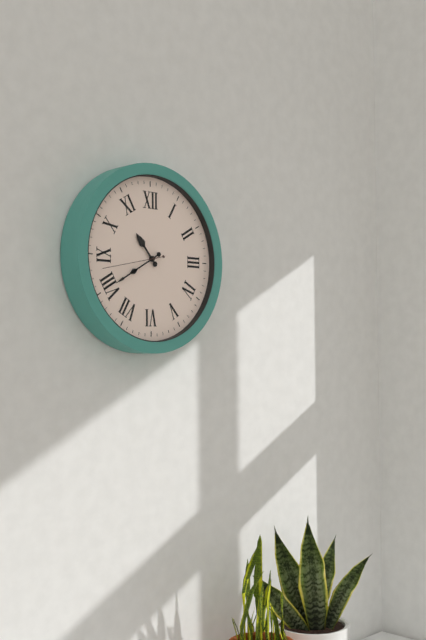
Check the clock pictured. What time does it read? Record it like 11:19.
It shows 10:40
